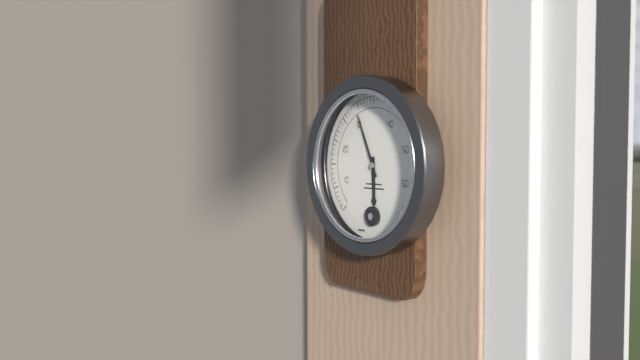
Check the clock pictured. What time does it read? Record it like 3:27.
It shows 5:56
